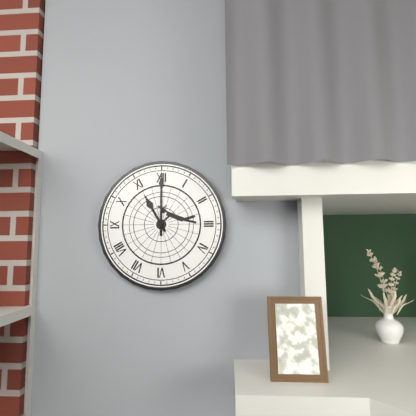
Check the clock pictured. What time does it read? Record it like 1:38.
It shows 11:00
